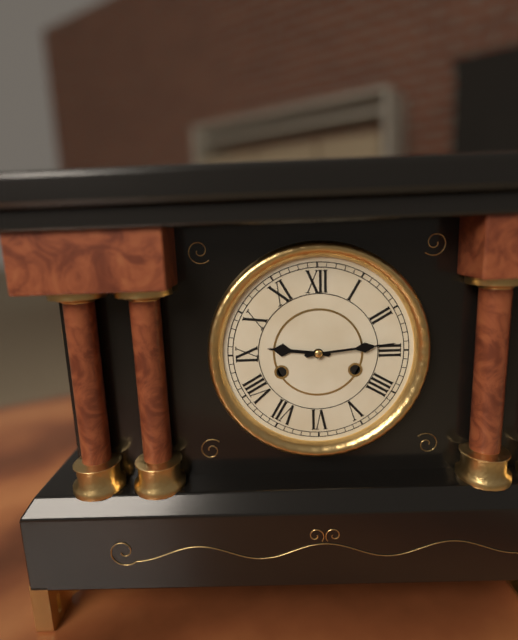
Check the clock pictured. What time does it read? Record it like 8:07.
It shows 9:14
